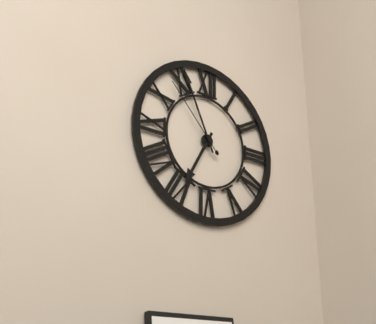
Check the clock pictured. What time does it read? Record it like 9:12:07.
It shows 6:56:53
